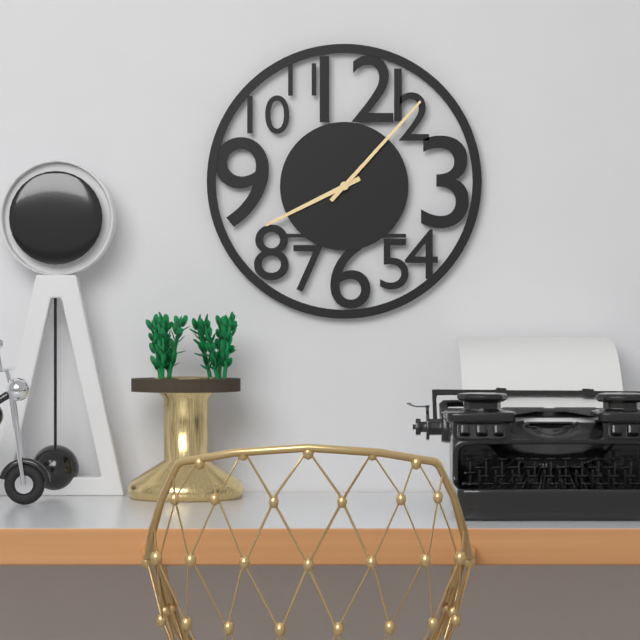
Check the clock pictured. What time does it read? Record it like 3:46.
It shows 8:07
